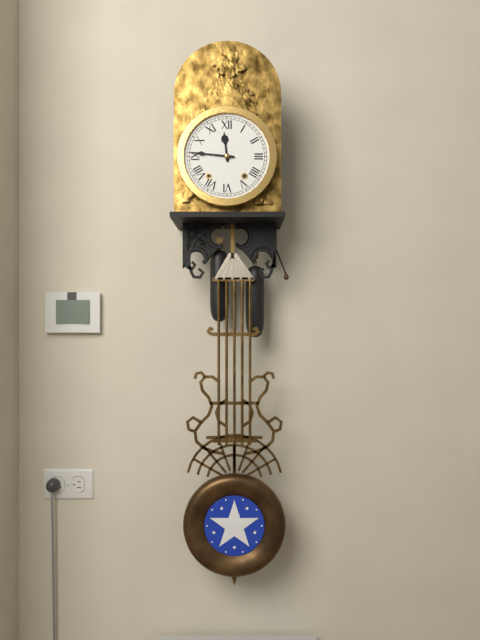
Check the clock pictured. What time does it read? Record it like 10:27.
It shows 11:46
